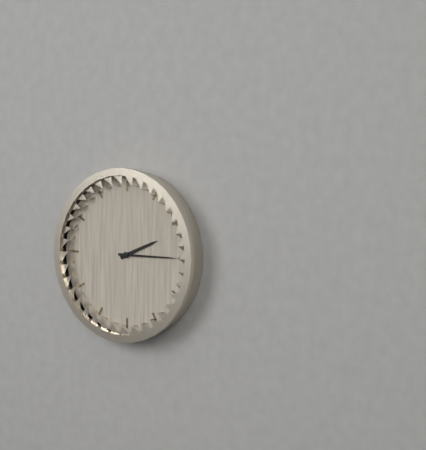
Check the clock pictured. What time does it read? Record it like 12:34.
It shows 2:15
